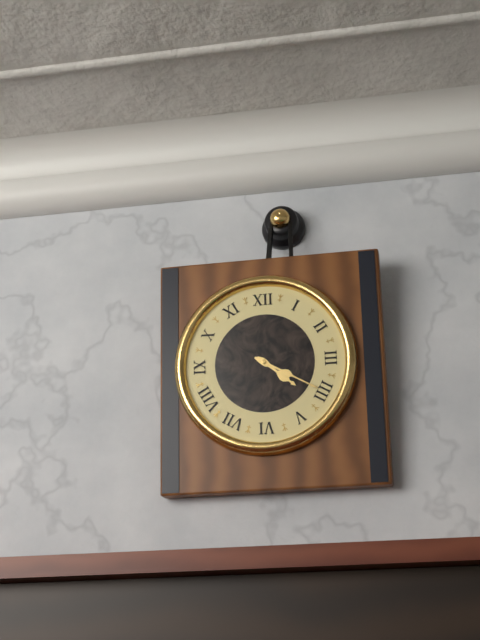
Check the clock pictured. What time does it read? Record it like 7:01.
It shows 4:20
